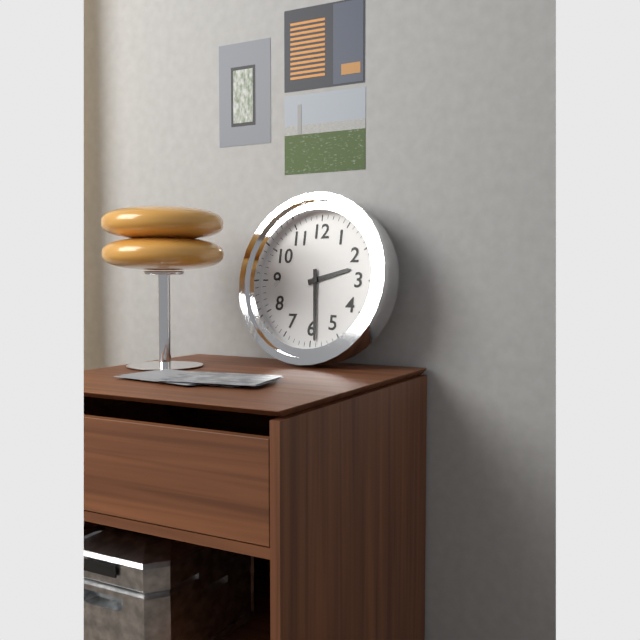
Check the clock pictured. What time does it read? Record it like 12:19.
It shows 2:29
